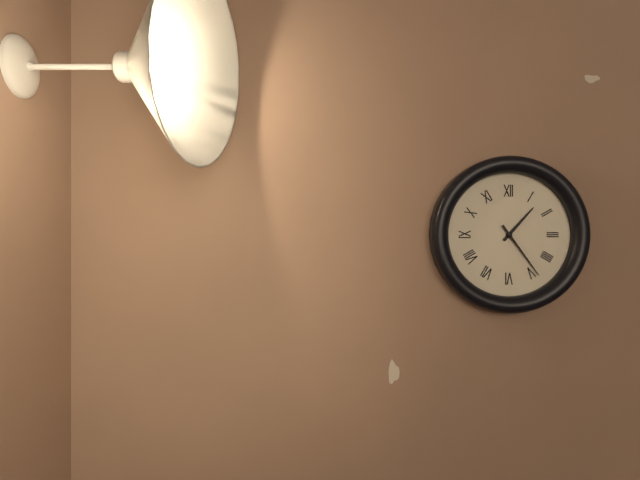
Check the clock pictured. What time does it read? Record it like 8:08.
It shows 1:24
